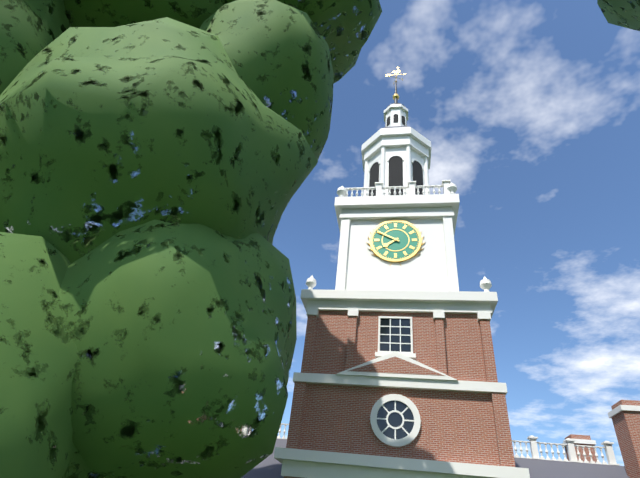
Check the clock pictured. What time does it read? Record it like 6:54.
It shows 7:50
